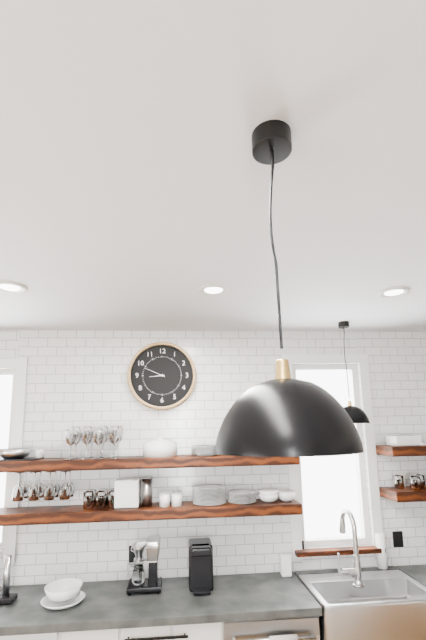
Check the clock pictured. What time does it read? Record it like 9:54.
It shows 8:49
